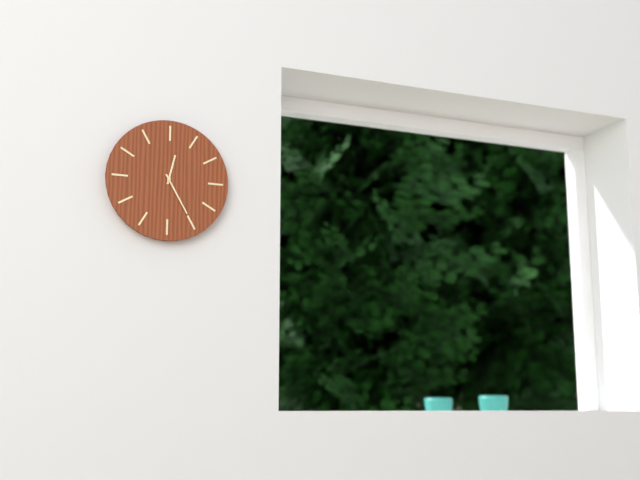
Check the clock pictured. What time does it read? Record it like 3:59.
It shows 12:25
